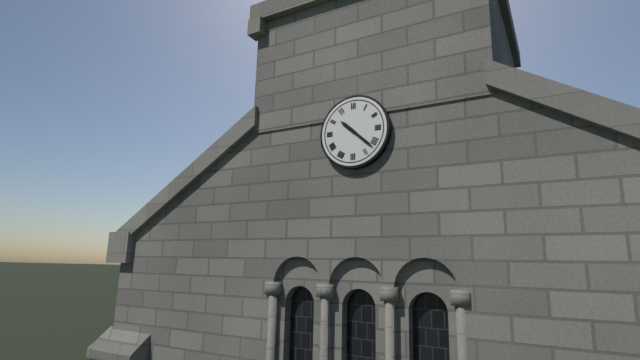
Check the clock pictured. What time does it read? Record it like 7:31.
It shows 10:22
